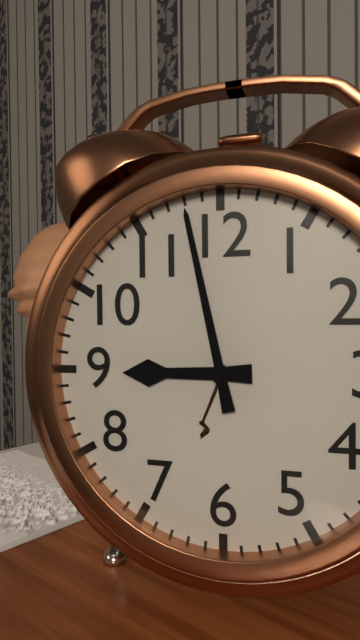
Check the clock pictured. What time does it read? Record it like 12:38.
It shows 8:58
